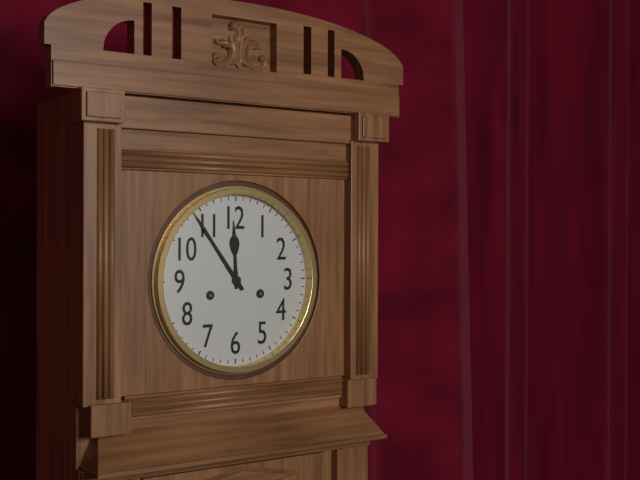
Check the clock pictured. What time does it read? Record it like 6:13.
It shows 11:54
